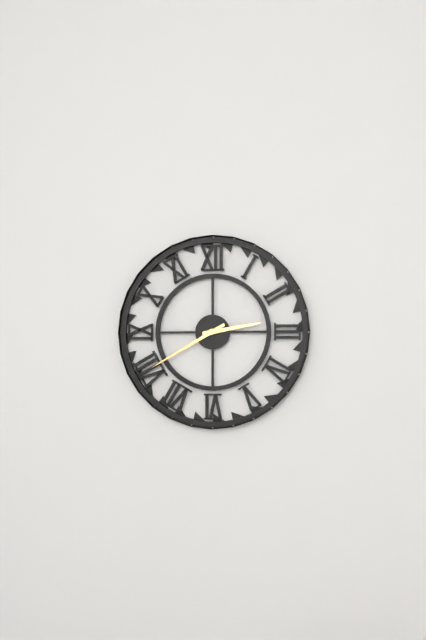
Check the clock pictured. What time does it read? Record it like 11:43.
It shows 2:40
